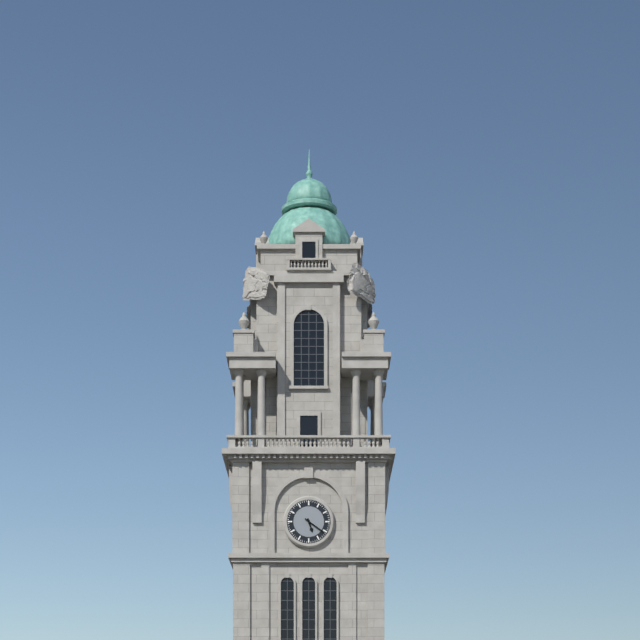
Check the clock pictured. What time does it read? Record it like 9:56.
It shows 5:21
